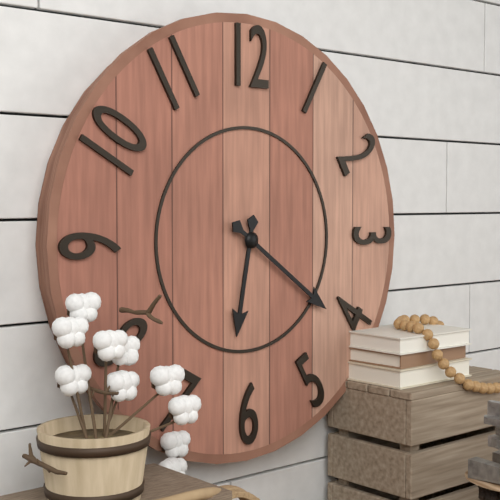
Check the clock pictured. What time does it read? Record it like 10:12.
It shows 6:21
